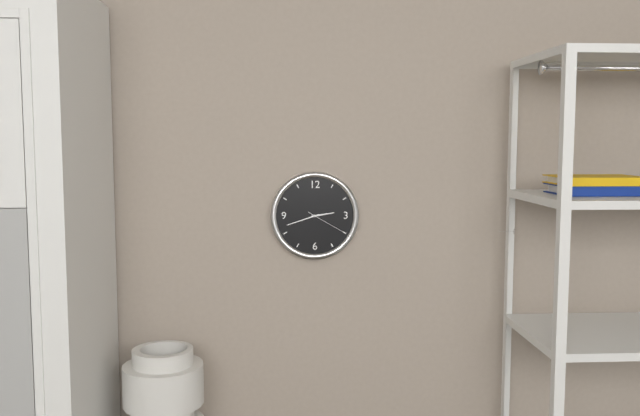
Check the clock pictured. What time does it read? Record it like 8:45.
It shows 2:42
